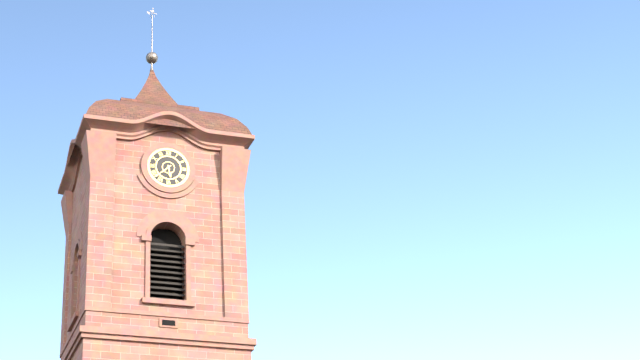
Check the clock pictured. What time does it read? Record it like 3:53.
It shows 5:38
